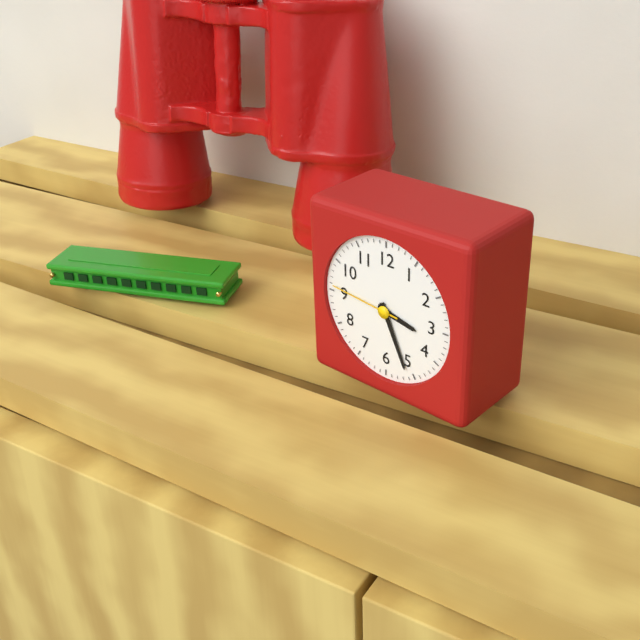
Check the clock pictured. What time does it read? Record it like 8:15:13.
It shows 3:26:46
